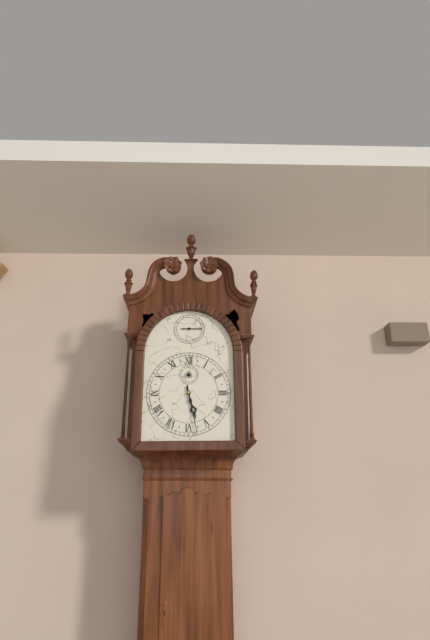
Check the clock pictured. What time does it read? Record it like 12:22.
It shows 5:28
